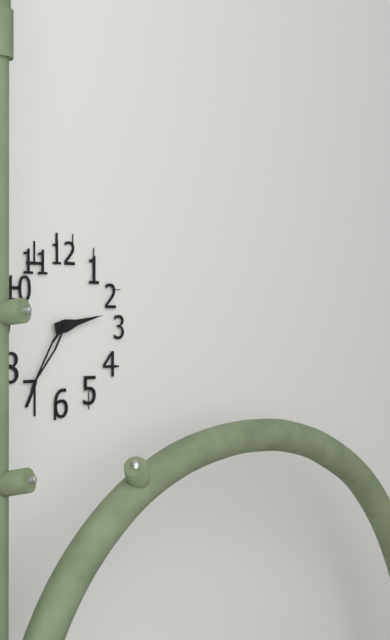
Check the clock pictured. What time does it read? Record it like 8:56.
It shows 2:36
